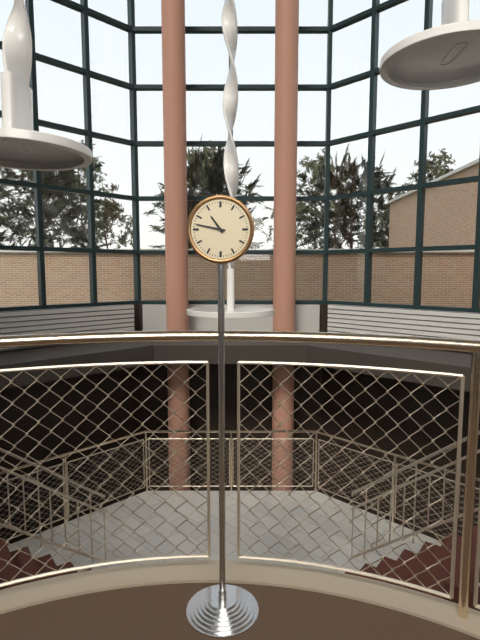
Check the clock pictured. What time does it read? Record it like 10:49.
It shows 10:47
